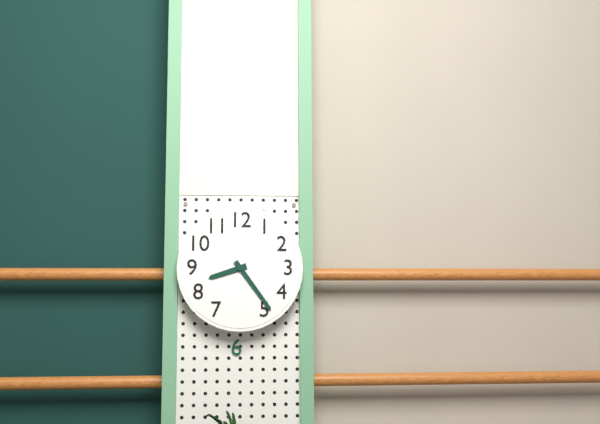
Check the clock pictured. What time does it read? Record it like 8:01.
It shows 8:24
